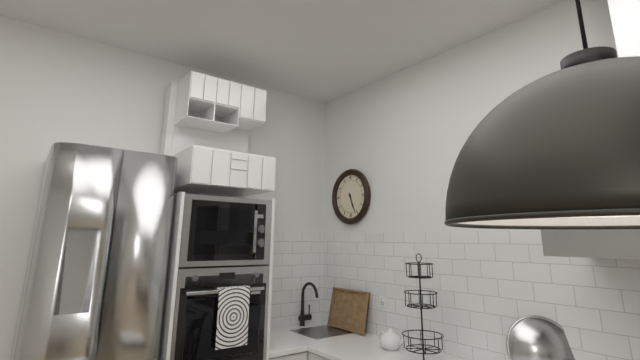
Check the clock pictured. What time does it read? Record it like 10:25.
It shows 5:26
